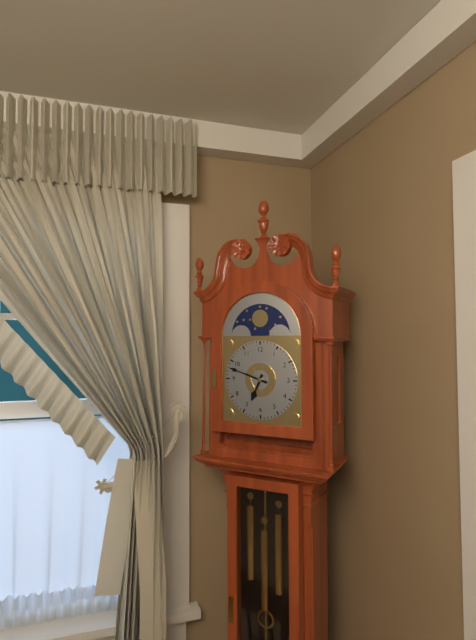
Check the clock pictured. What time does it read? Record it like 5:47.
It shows 6:48
